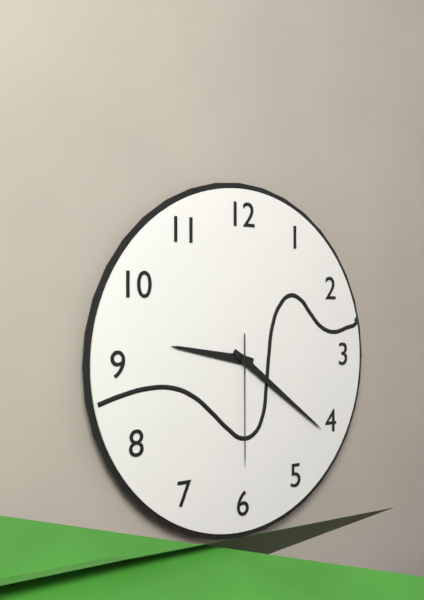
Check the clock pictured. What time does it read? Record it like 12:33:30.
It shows 9:21:30
